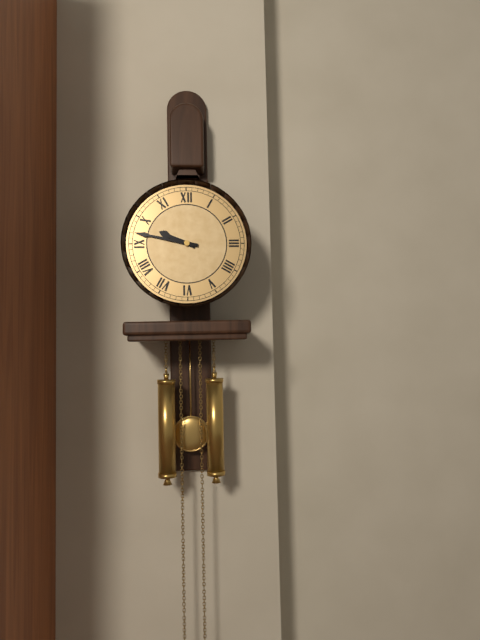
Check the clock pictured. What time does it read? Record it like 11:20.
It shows 9:47
